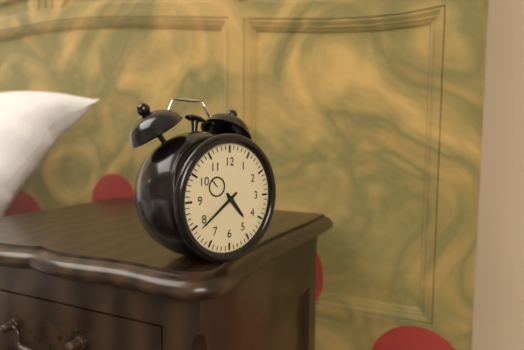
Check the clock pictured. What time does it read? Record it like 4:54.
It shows 4:39
